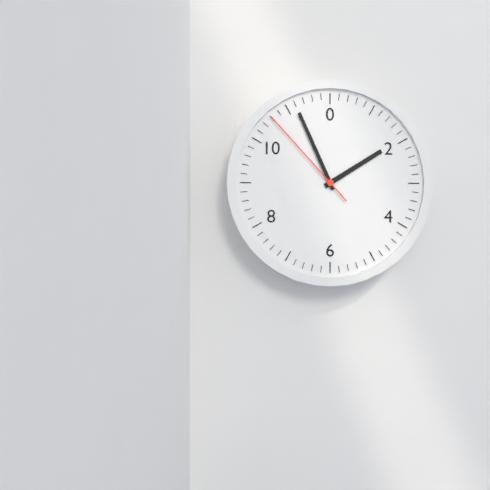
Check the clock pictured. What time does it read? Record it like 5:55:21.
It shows 1:56:53
